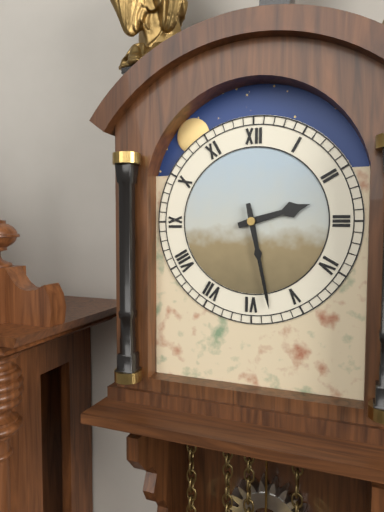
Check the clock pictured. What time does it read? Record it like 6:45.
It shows 2:28
